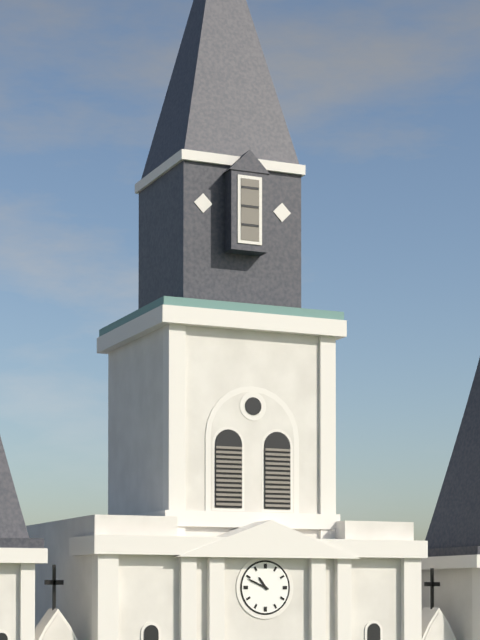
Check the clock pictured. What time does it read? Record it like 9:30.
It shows 10:49
